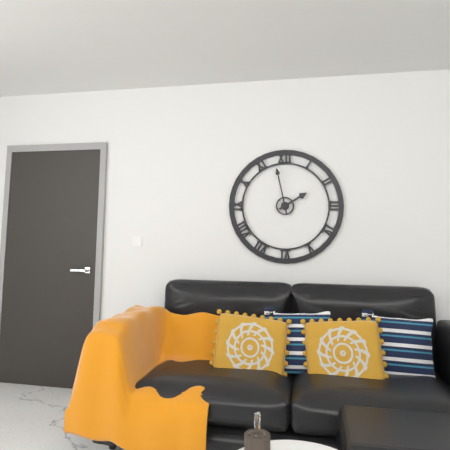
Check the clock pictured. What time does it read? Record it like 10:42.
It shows 1:58
